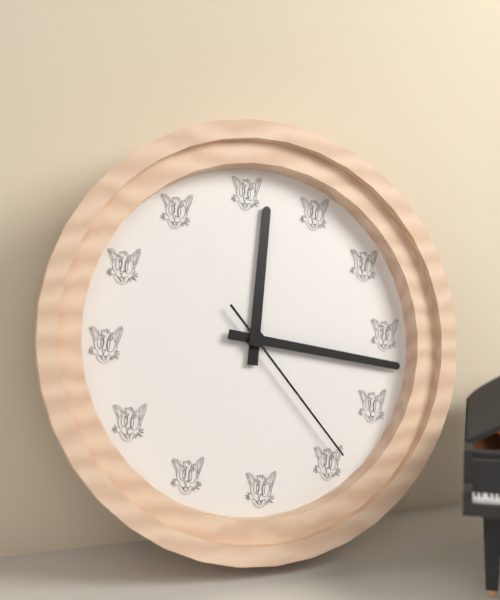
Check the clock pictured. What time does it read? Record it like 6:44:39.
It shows 12:17:24
